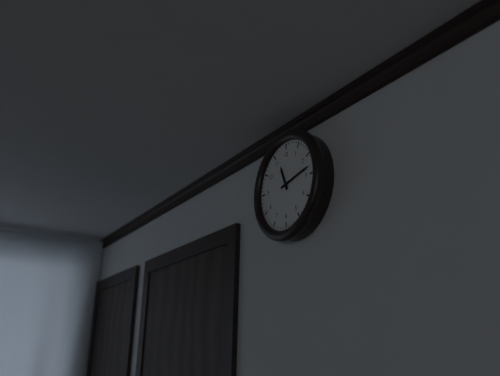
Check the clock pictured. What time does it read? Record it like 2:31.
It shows 11:13
